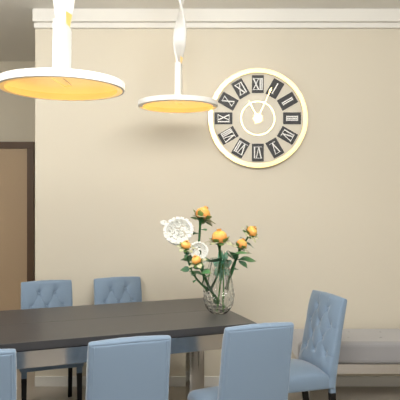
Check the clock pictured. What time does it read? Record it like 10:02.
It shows 11:04
